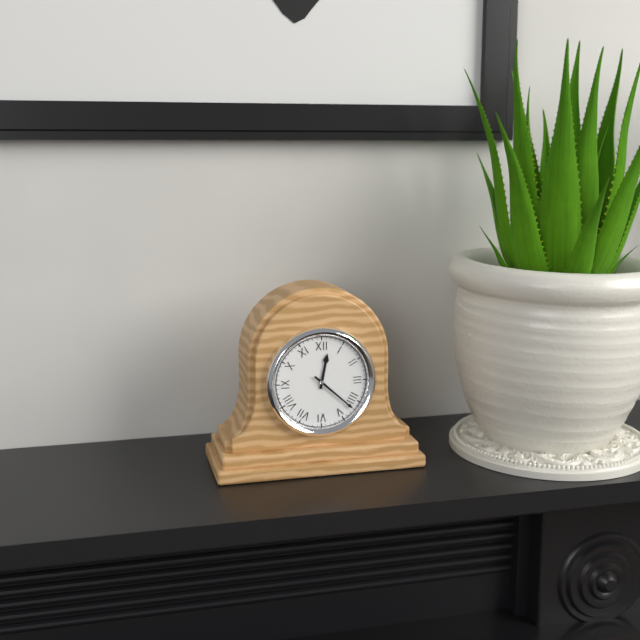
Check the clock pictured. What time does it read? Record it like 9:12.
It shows 12:22
